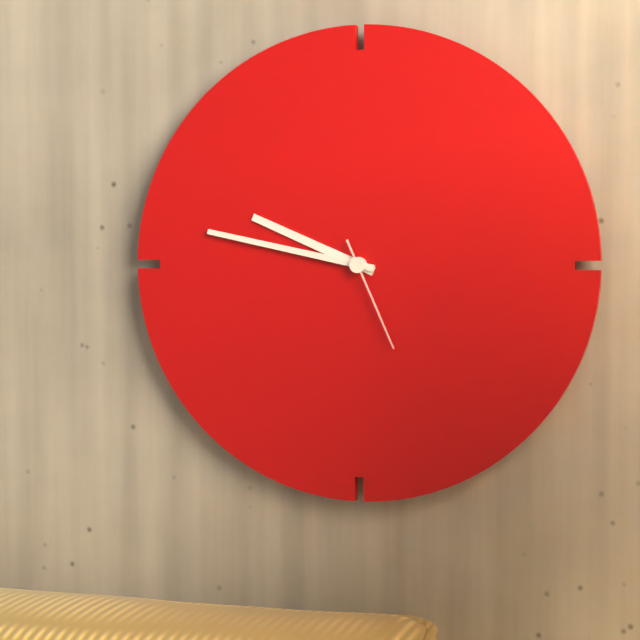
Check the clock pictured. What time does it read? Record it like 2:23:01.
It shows 9:47:26
